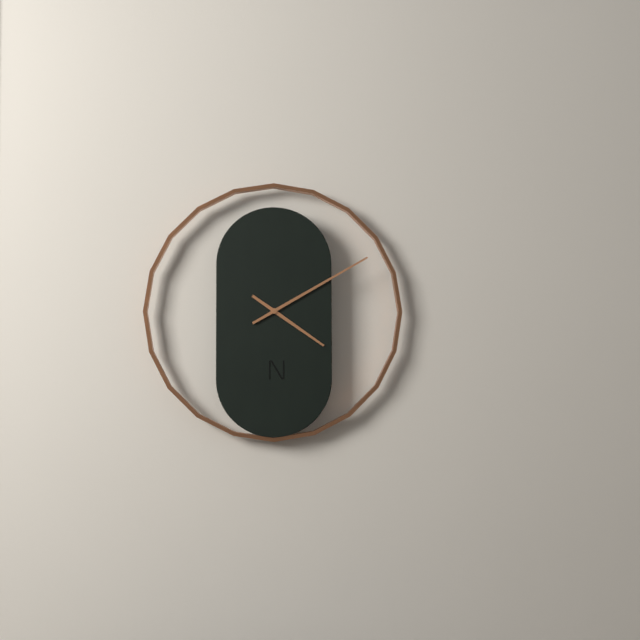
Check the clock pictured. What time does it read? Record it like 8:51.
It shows 4:10
